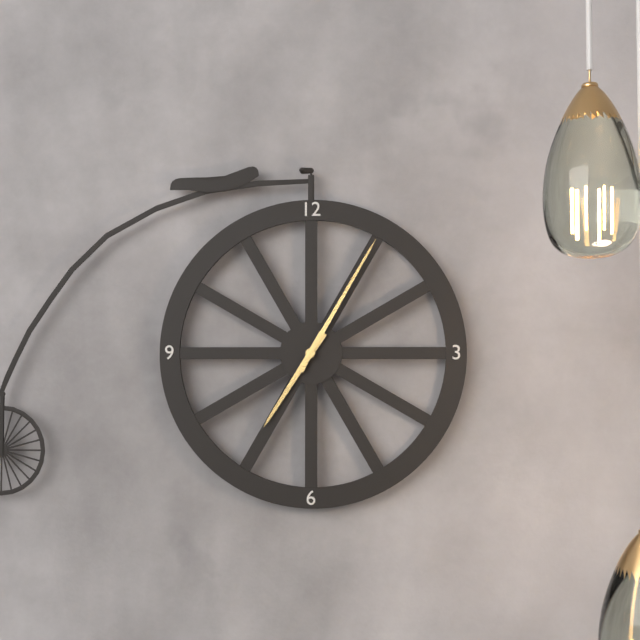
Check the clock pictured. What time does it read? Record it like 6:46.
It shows 7:05
